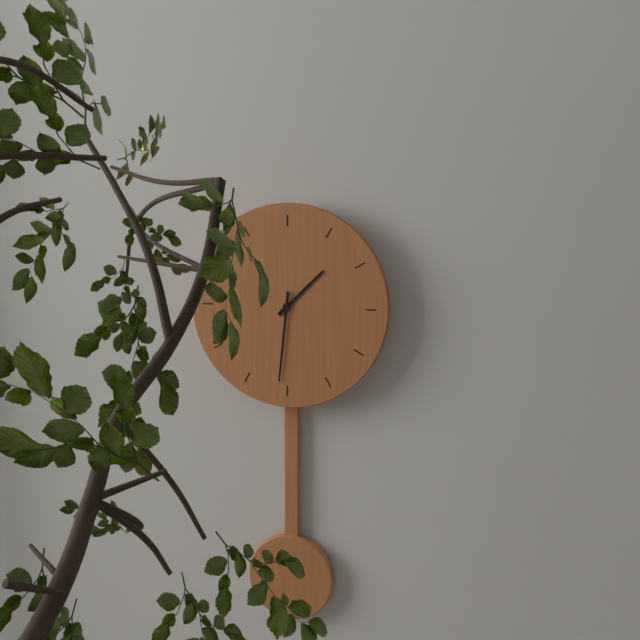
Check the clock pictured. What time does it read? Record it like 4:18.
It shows 1:31
